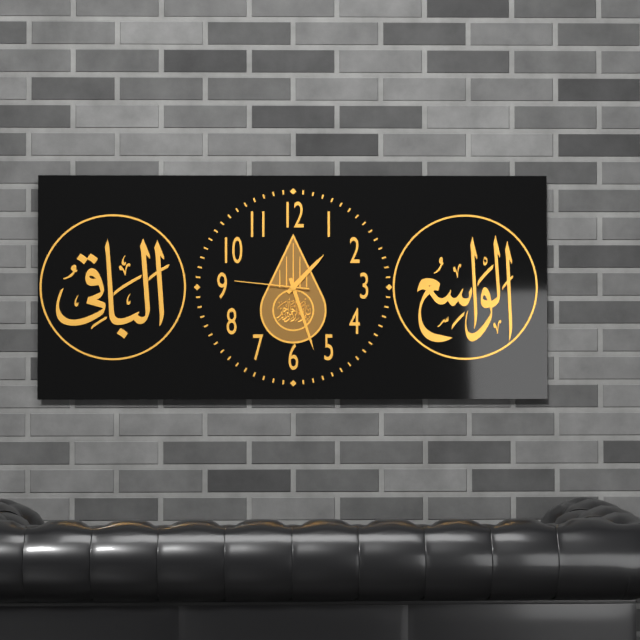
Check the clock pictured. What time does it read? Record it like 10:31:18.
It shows 1:27:46
